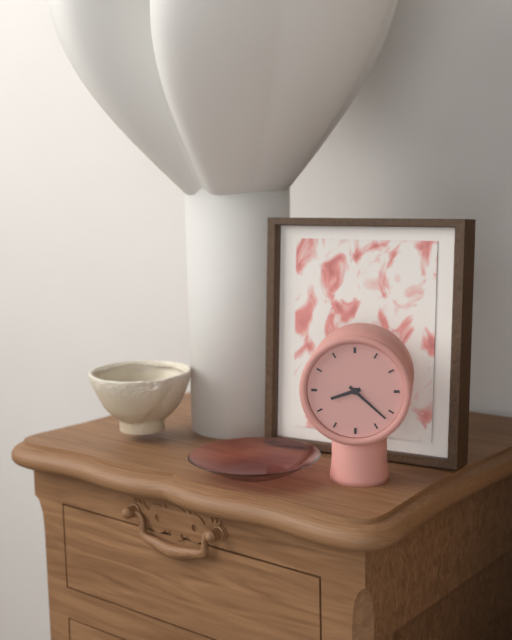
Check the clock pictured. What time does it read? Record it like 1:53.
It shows 8:22
